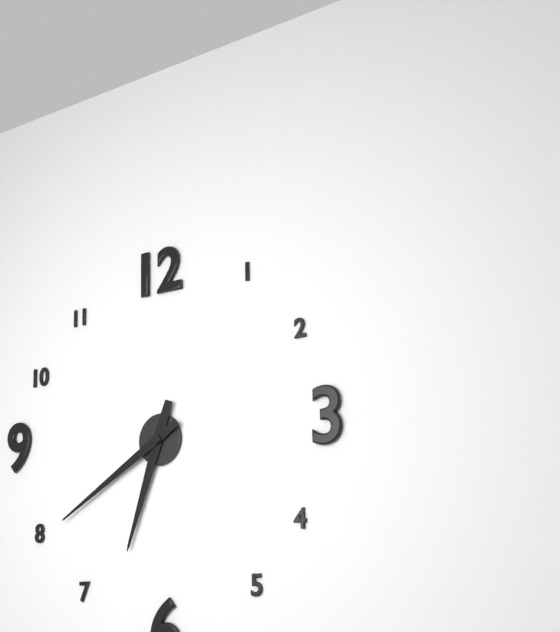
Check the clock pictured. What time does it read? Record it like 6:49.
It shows 6:40
